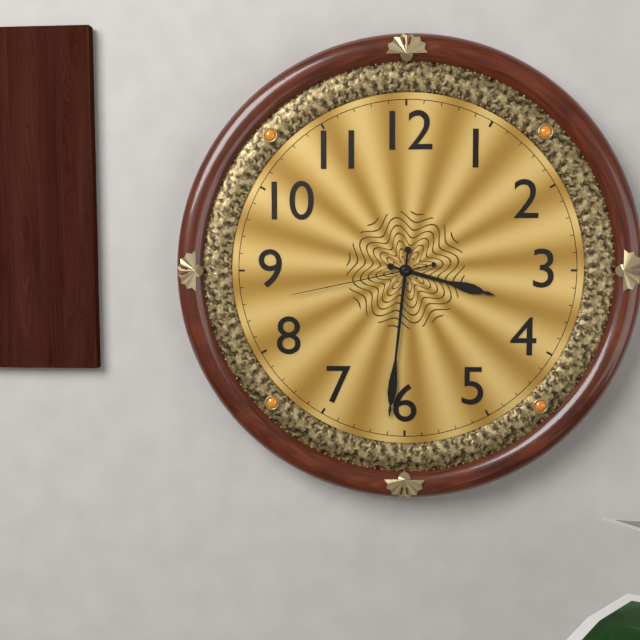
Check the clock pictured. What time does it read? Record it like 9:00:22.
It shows 3:31:43
